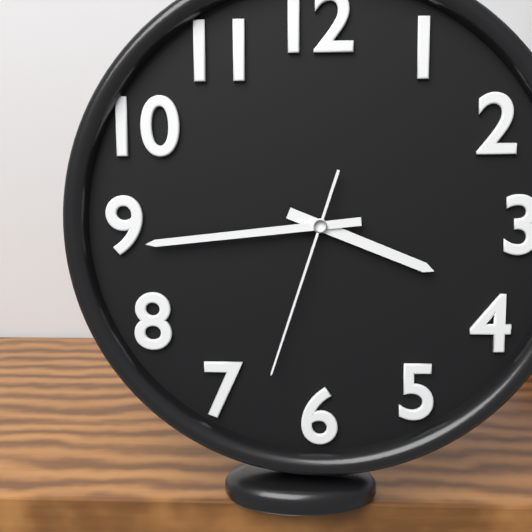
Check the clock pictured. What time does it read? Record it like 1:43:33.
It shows 3:44:33
